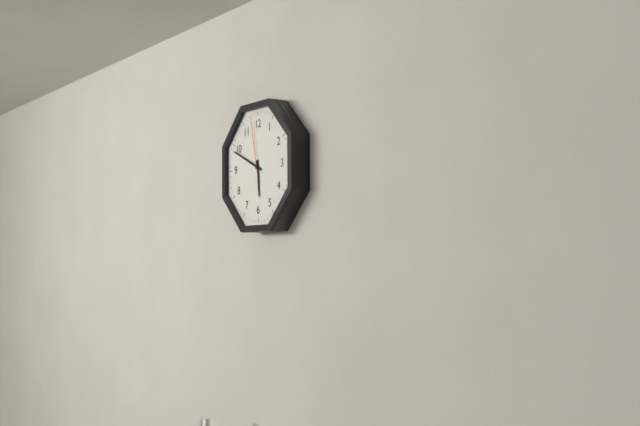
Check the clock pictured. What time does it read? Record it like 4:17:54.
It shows 5:49:58
